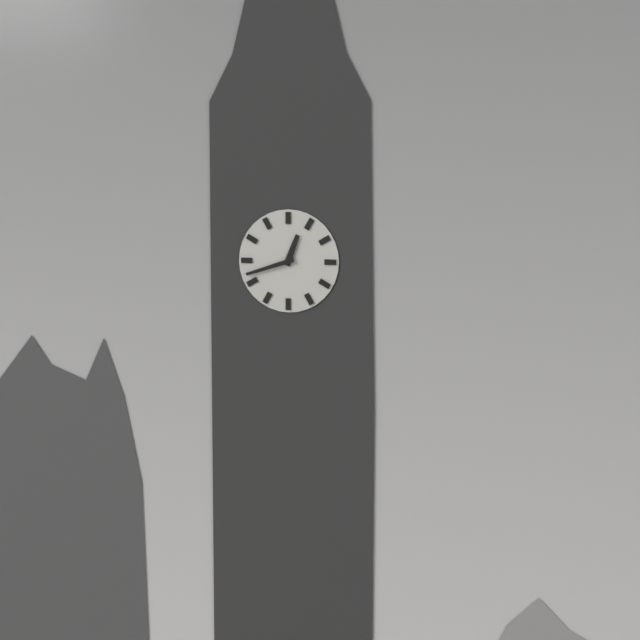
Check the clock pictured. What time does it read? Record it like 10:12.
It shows 12:42
